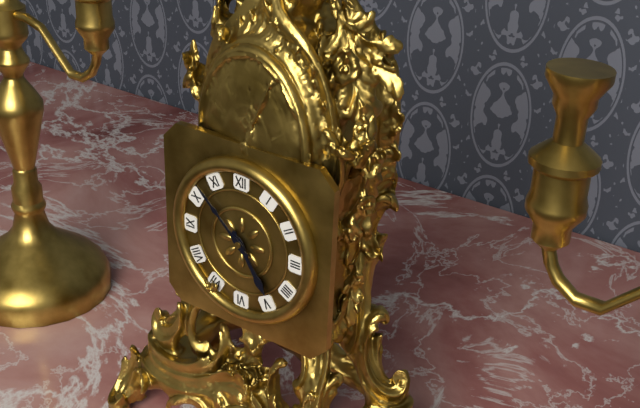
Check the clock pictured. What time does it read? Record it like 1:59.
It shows 4:52
